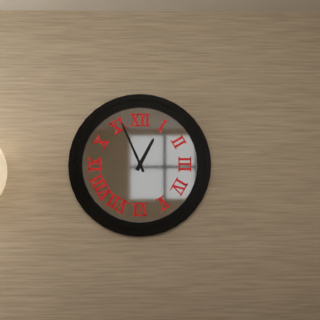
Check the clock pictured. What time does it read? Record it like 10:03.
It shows 12:56
